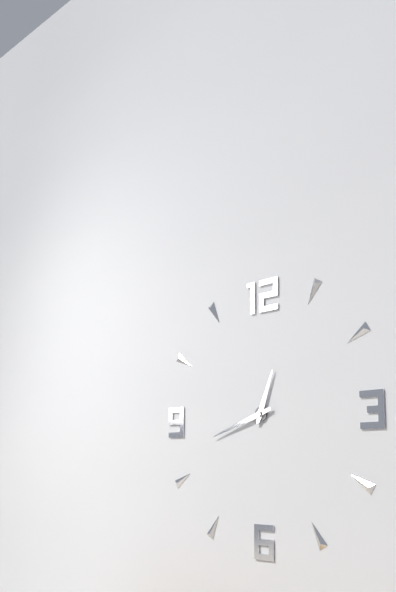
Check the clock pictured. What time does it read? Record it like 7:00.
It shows 12:42
